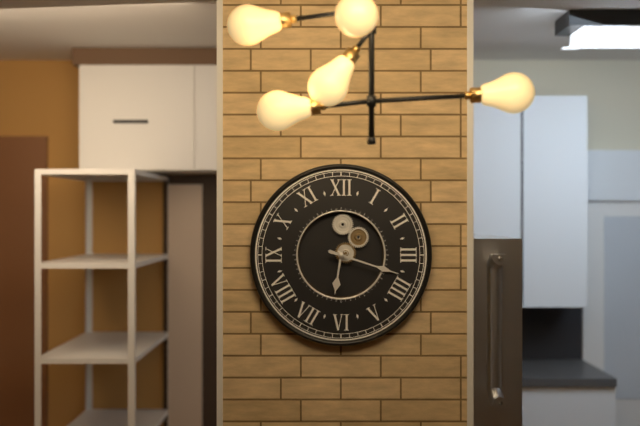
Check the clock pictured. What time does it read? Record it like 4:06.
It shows 6:18
